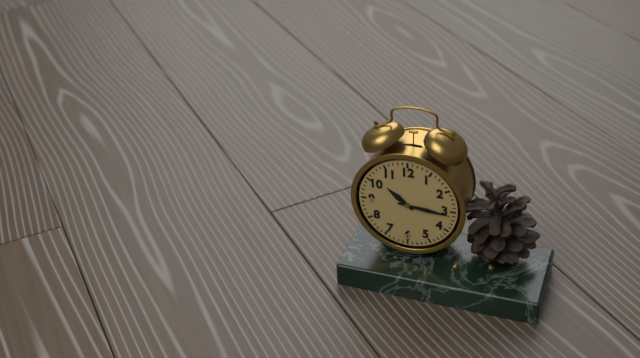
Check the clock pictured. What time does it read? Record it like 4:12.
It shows 10:16
